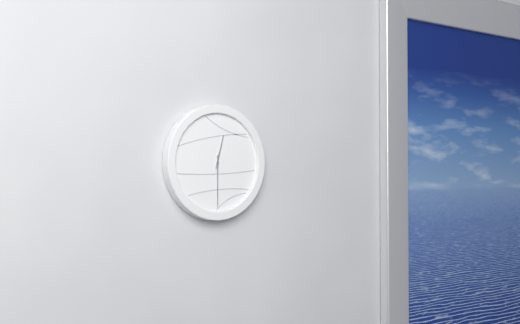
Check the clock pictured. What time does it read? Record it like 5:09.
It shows 12:30
